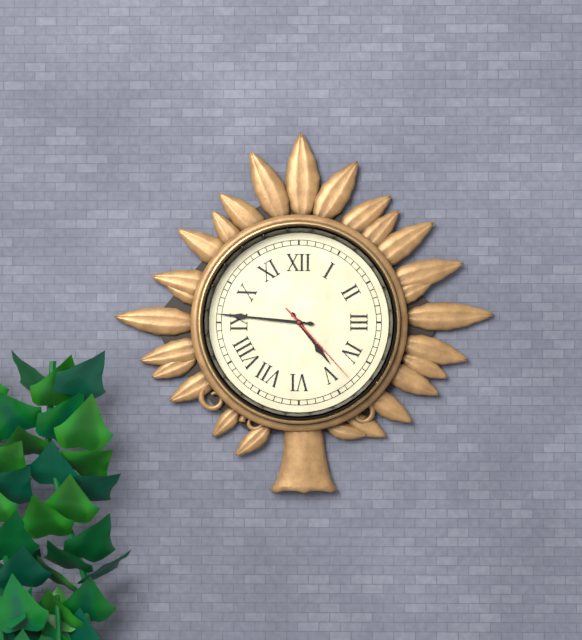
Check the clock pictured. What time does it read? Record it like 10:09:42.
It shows 4:46:23
